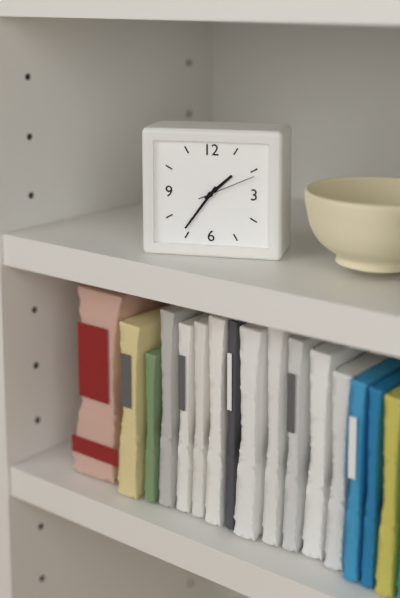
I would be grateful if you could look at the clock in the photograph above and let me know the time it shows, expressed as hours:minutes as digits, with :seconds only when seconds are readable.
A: 1:36:11
